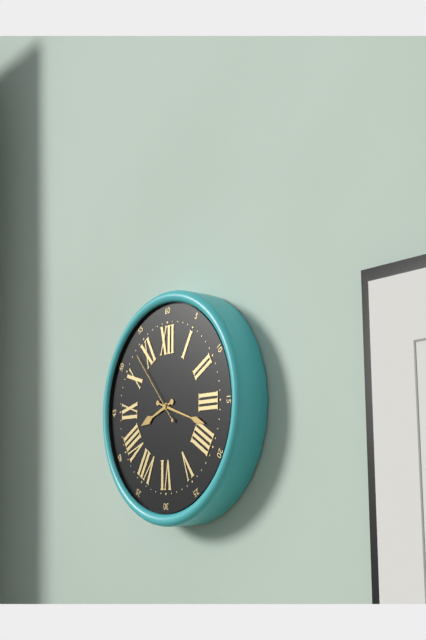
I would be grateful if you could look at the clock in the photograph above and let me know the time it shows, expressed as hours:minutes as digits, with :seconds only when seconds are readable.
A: 8:18:53
